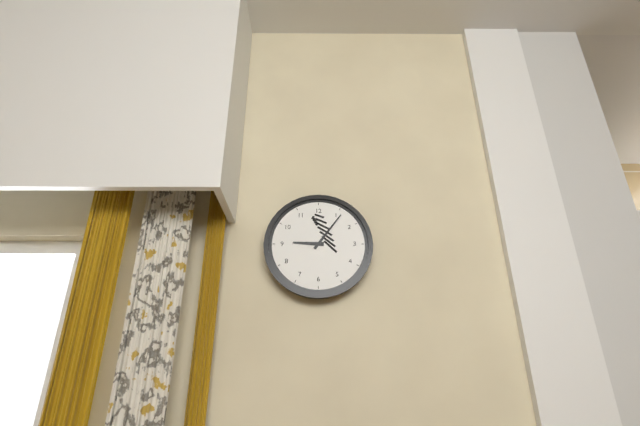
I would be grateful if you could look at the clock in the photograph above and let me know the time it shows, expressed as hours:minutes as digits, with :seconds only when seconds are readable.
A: 9:06
